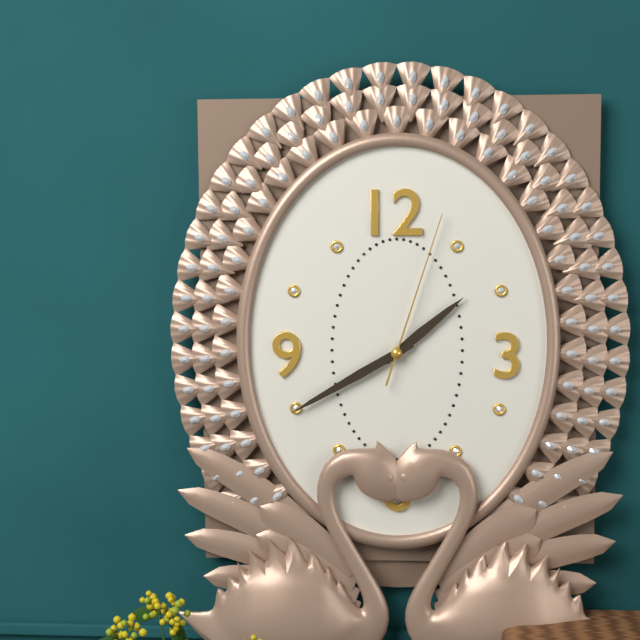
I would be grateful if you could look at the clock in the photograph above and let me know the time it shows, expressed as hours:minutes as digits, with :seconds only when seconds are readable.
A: 1:40:03
